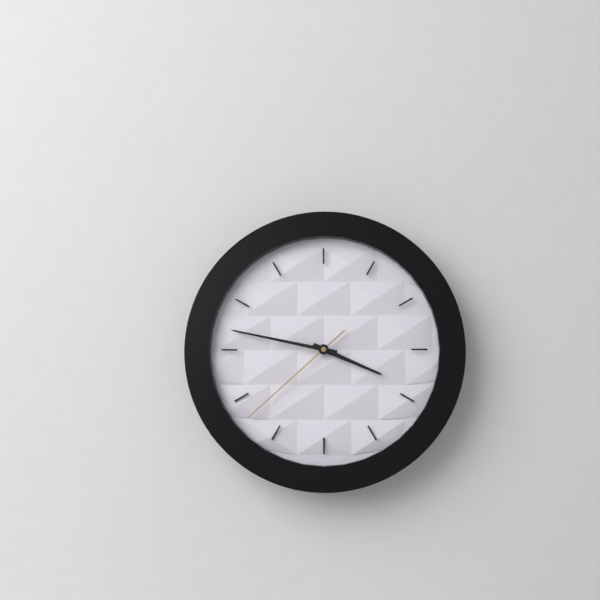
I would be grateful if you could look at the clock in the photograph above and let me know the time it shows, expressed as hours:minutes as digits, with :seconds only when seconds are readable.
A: 3:47:38
